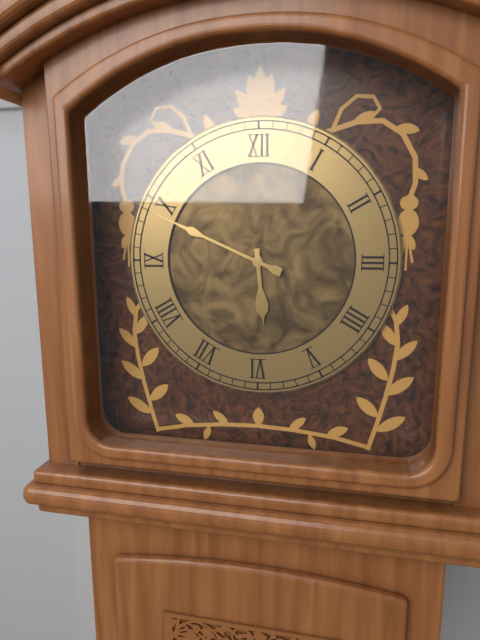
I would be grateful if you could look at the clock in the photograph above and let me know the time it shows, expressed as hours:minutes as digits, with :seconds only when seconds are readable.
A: 5:49
